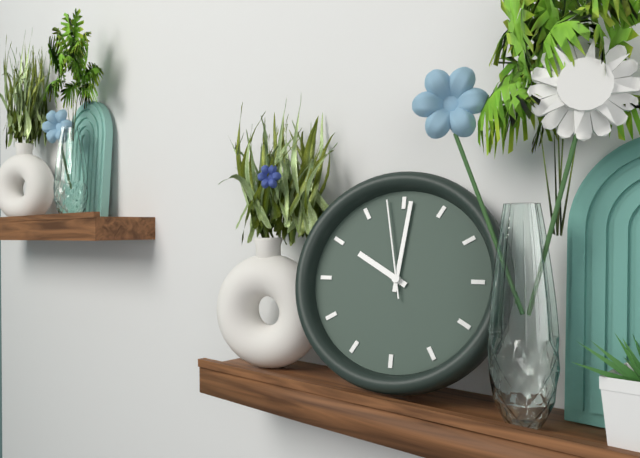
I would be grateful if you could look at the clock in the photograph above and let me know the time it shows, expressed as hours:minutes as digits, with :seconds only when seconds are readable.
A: 10:01:58
